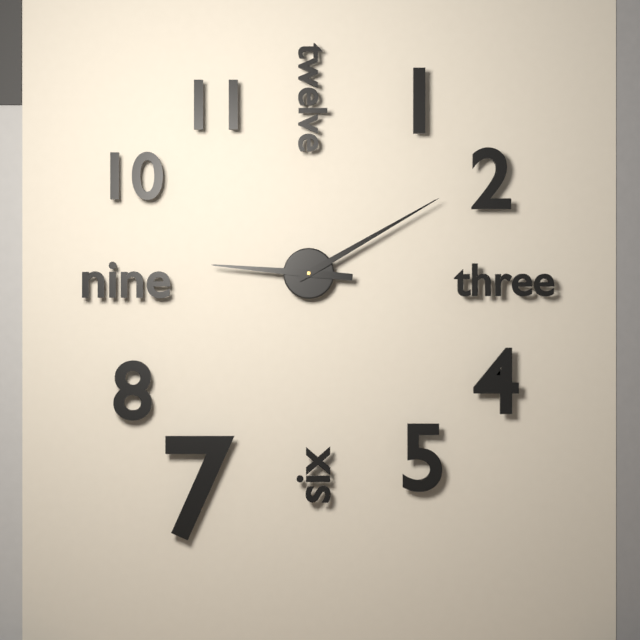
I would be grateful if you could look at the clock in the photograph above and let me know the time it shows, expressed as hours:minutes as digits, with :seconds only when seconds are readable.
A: 9:10
